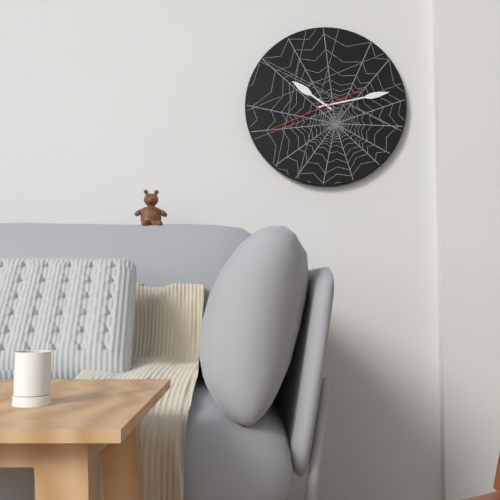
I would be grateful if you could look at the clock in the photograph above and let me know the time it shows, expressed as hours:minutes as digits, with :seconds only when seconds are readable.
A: 10:13:41
